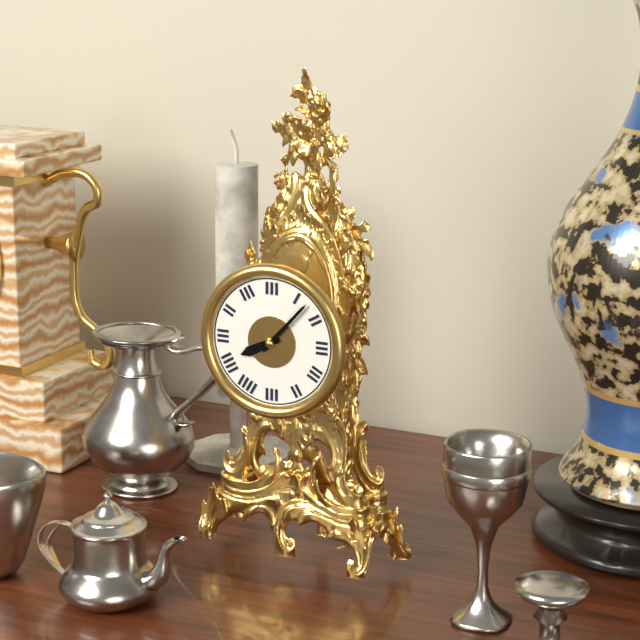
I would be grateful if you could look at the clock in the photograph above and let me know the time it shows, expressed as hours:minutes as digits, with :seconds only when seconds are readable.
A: 8:07
